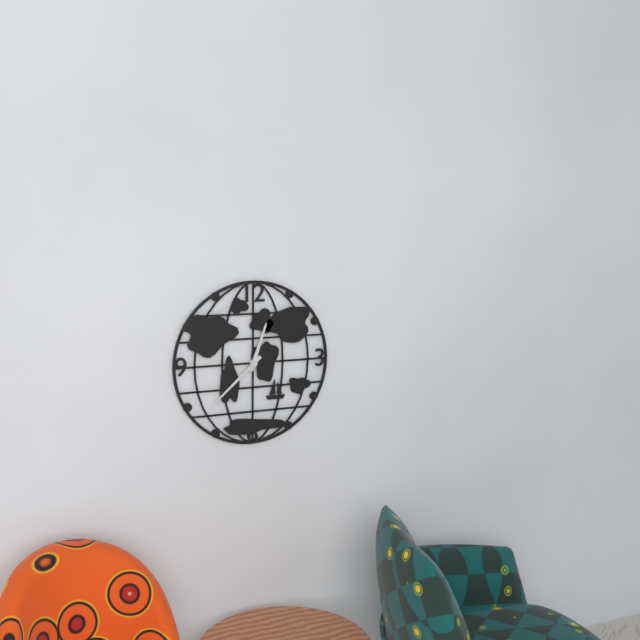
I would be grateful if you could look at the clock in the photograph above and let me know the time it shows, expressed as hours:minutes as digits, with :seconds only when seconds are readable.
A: 12:38
